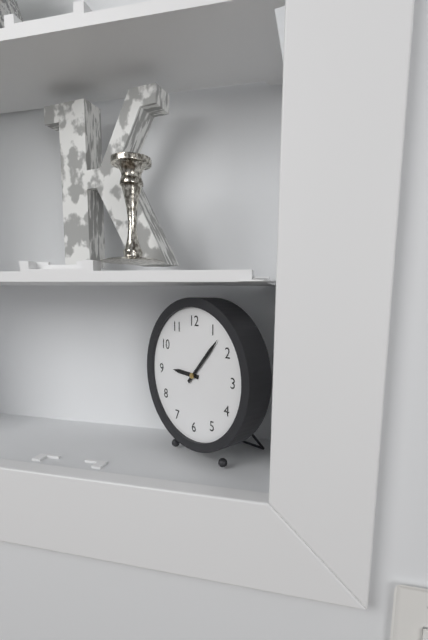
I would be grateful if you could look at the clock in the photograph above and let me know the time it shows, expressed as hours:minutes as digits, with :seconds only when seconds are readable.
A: 9:07
